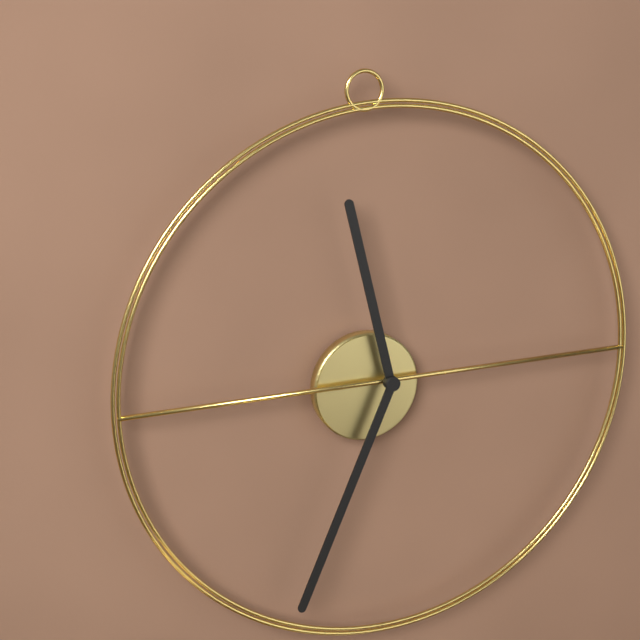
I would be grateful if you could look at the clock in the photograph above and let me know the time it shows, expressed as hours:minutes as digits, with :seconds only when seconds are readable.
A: 11:34
